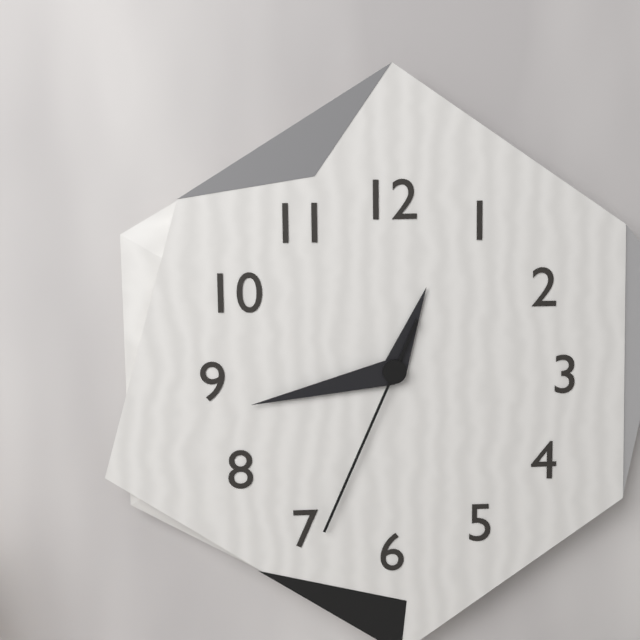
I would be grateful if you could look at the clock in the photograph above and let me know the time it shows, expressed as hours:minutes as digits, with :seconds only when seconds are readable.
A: 12:43:34
